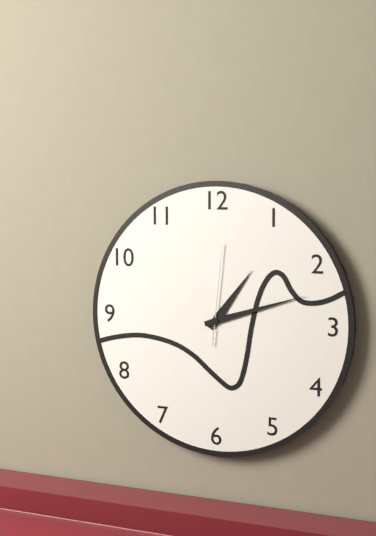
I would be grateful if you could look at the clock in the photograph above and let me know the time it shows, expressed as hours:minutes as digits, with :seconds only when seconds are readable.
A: 1:12:01
